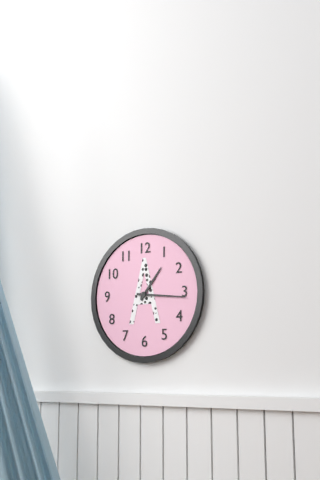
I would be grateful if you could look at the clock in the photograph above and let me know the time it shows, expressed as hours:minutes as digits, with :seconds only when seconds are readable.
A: 1:16
